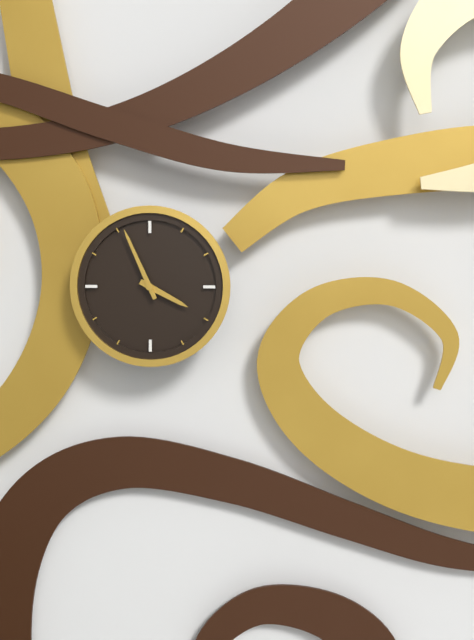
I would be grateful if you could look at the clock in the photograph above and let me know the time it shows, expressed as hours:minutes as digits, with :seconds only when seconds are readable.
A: 3:56
